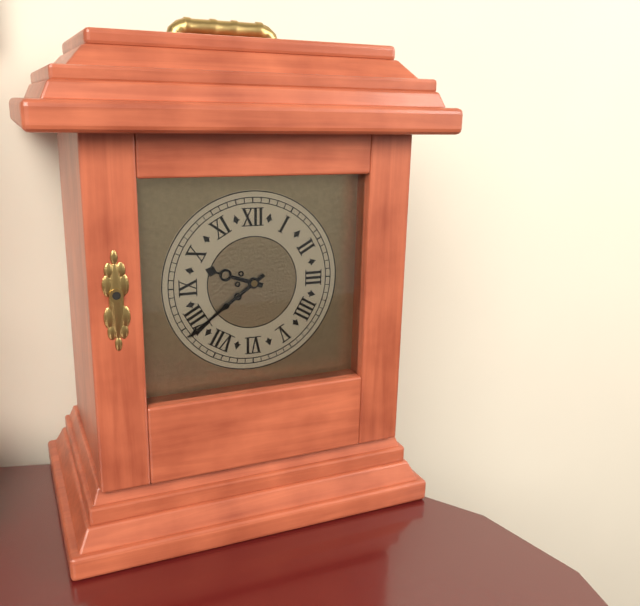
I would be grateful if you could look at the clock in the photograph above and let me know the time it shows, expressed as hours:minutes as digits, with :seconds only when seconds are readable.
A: 9:39
